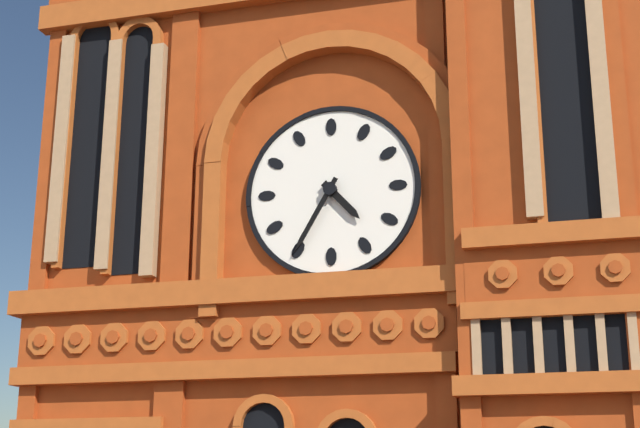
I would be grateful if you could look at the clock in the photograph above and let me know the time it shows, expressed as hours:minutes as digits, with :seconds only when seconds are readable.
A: 4:35
